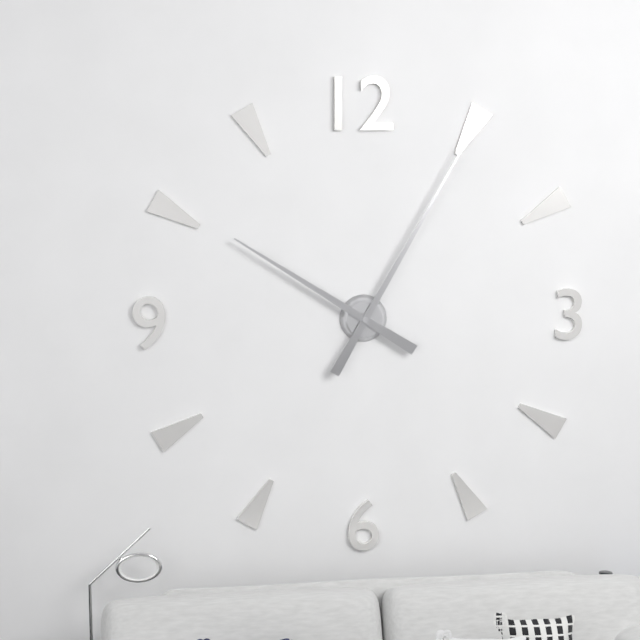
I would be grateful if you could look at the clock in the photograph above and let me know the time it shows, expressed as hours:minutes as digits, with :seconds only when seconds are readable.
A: 10:05
